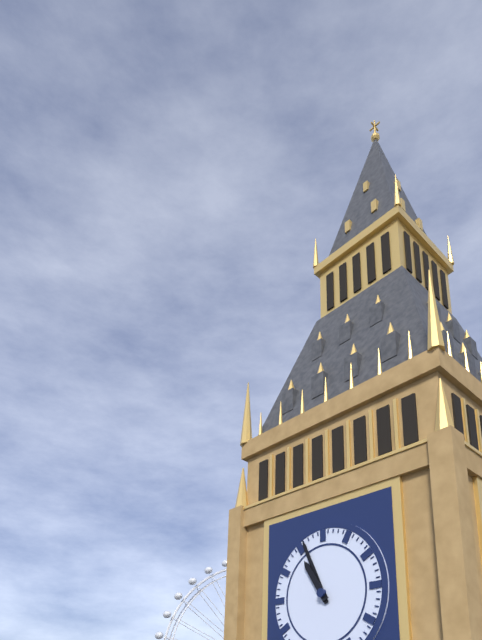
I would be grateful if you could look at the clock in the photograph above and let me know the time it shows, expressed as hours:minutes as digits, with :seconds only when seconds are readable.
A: 10:56
